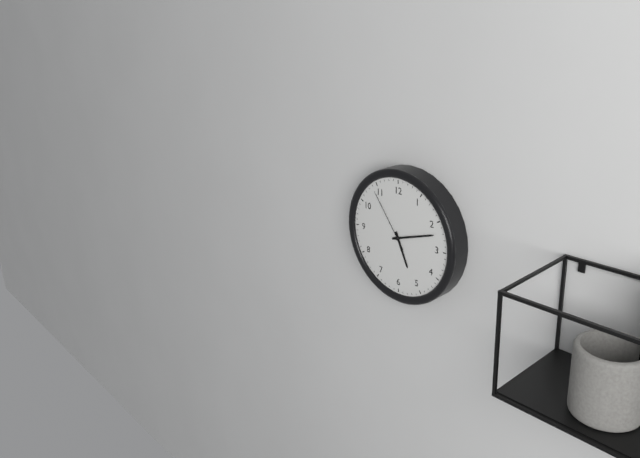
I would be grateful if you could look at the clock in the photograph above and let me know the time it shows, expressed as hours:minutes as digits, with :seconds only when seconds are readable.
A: 5:12:54
